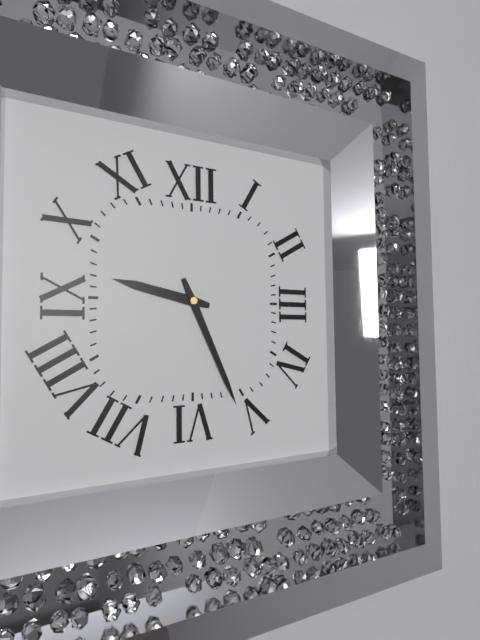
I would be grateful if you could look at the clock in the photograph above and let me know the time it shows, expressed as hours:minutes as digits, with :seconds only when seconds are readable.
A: 9:26
